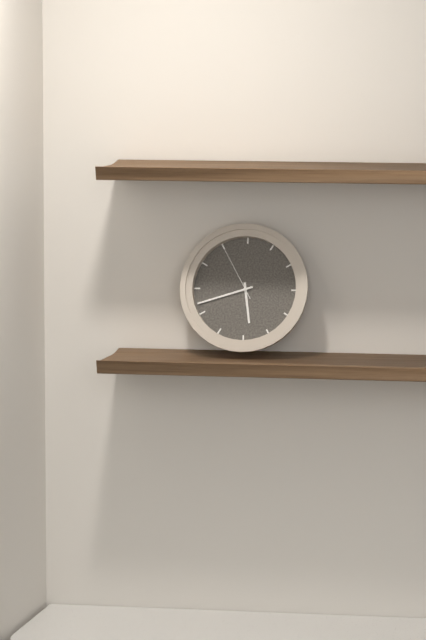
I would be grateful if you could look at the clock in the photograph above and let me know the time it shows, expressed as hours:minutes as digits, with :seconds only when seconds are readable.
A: 5:42:55
